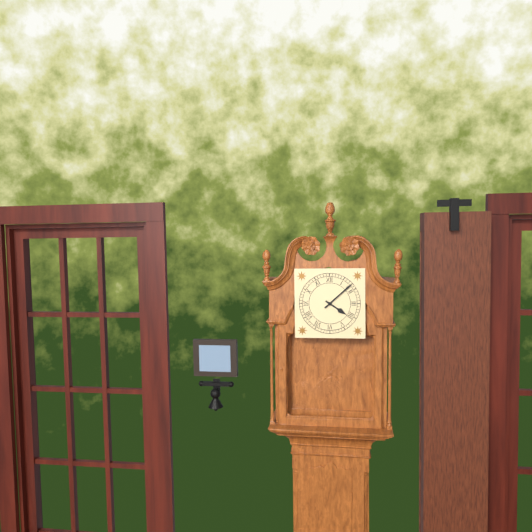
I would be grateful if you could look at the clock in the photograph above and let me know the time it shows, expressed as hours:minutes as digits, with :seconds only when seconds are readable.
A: 4:08
